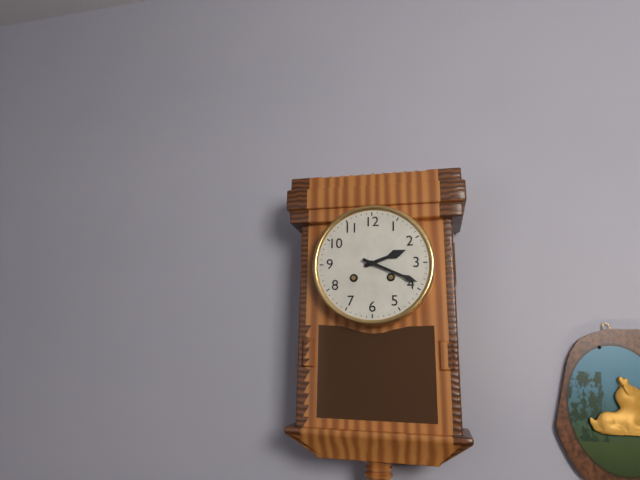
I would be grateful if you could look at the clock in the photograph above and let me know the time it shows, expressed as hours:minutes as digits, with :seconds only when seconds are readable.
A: 2:19
